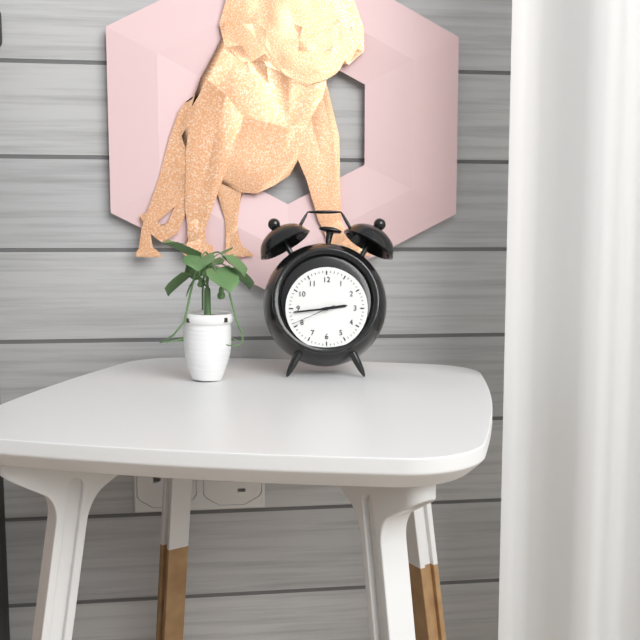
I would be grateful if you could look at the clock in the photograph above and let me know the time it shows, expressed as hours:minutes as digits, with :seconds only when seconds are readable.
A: 2:44
